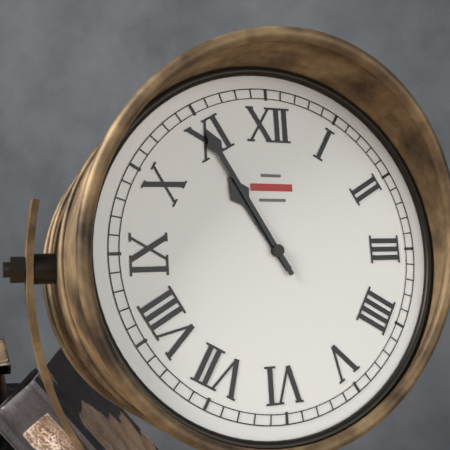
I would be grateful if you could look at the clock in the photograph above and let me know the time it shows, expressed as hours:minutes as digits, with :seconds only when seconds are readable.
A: 10:55
